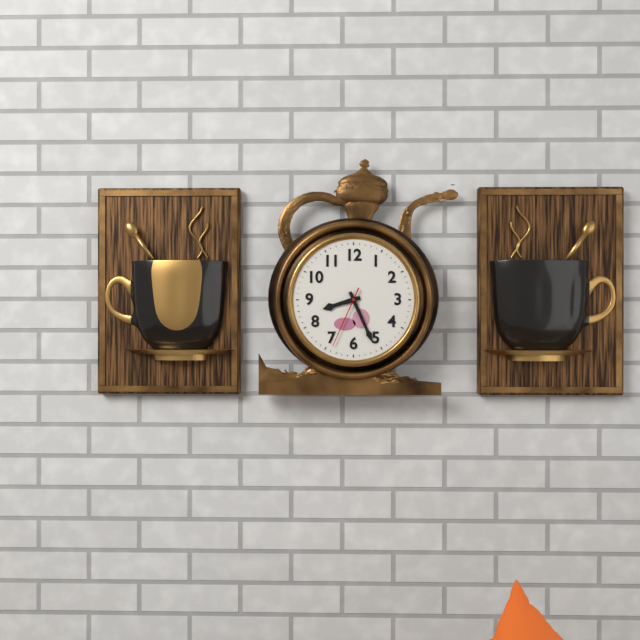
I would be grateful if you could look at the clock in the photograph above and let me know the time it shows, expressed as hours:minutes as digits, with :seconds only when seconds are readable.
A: 8:26:34
